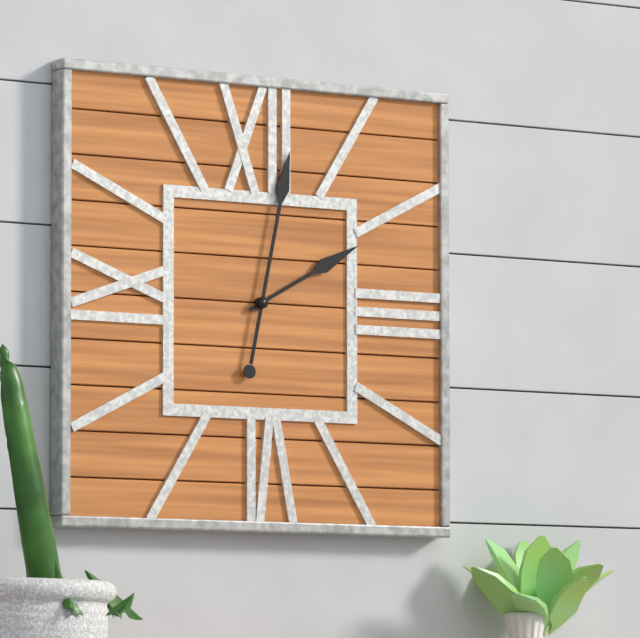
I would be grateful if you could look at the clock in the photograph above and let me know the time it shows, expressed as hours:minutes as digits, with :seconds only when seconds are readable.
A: 2:02
